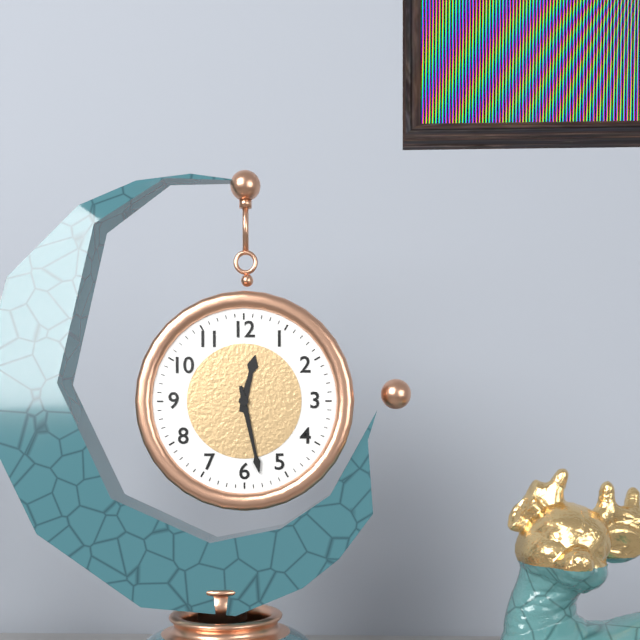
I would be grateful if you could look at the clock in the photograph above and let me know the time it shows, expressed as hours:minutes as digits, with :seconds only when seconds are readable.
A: 12:28
